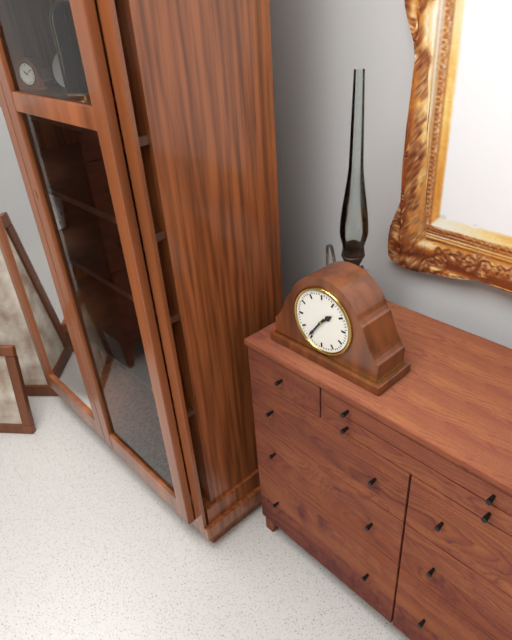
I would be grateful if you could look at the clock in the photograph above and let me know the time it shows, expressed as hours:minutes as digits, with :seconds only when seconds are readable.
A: 1:36
